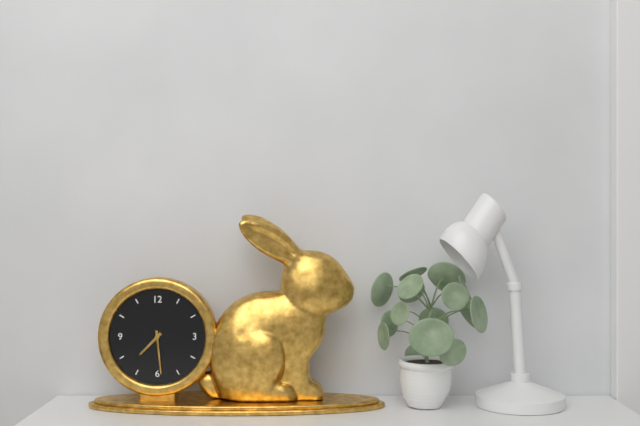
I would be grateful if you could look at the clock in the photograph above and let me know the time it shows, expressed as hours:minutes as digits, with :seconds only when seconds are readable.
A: 7:29
